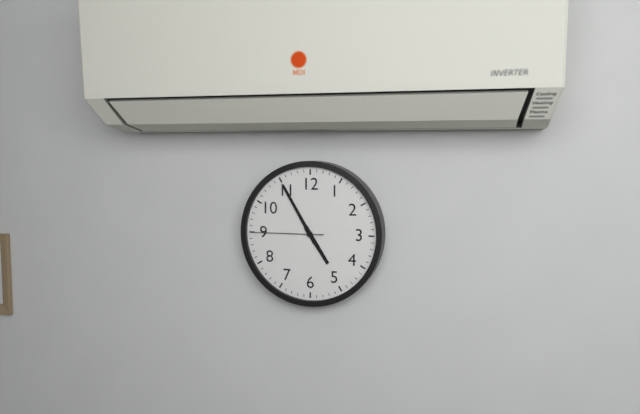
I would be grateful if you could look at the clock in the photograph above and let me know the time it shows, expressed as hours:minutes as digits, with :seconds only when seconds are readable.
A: 4:55:45
